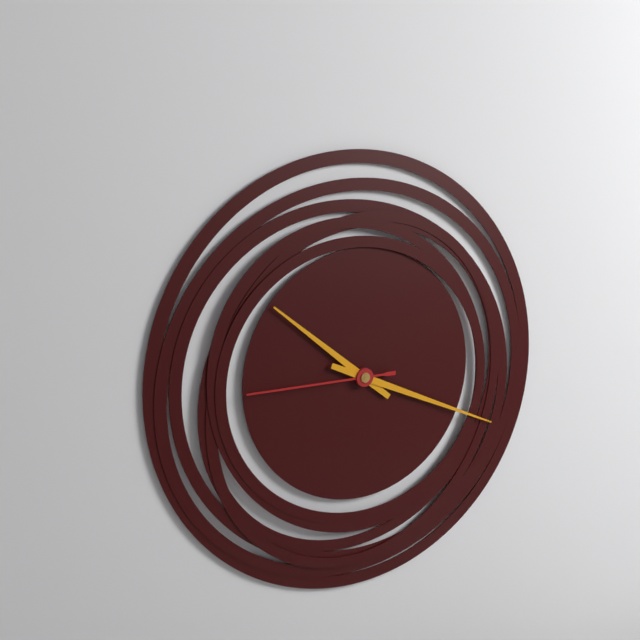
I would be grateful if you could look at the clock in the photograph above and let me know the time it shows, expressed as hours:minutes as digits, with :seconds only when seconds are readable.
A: 10:19:45
